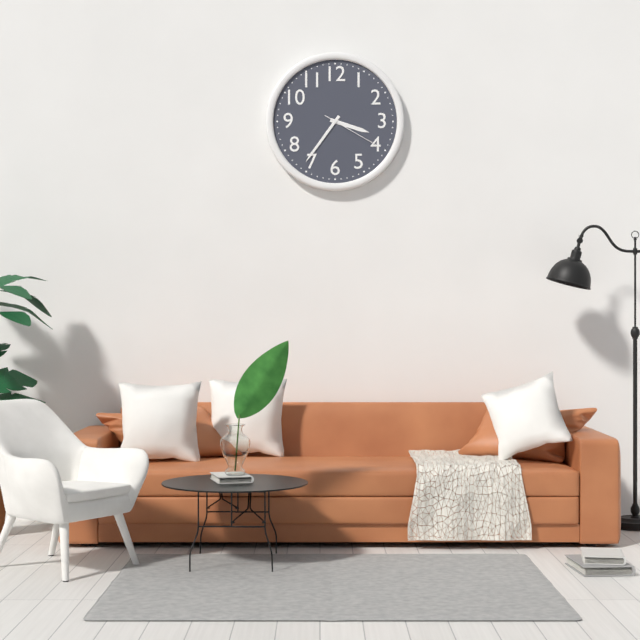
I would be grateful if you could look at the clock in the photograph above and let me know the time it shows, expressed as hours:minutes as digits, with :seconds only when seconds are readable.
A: 3:36:20
